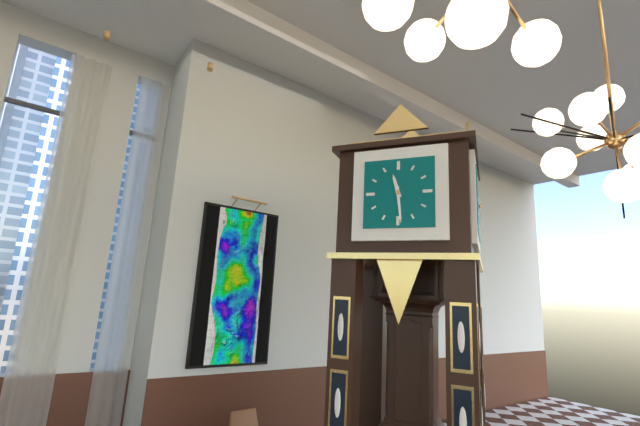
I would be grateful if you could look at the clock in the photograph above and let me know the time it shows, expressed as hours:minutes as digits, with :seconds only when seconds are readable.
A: 11:29
